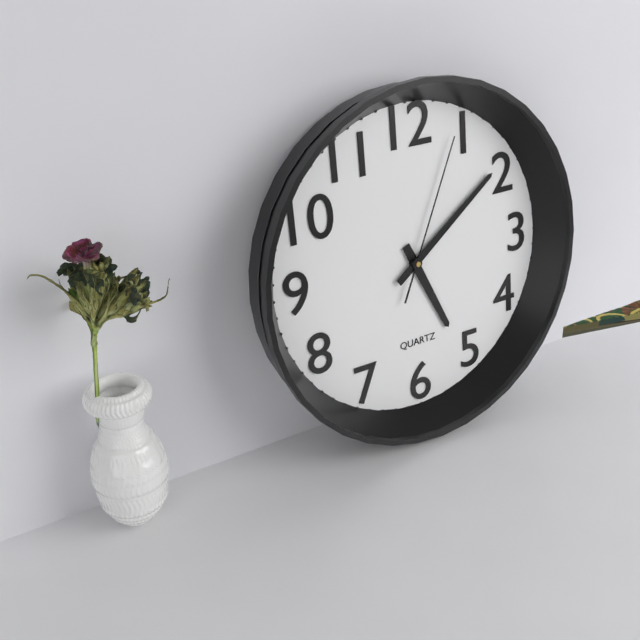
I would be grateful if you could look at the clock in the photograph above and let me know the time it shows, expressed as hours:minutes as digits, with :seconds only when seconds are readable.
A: 5:09:04
